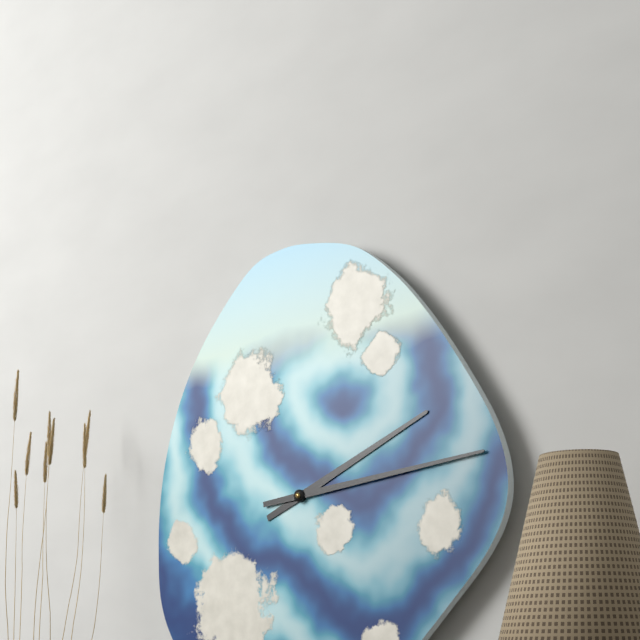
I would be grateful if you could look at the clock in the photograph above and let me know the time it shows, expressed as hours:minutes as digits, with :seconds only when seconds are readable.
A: 2:14
